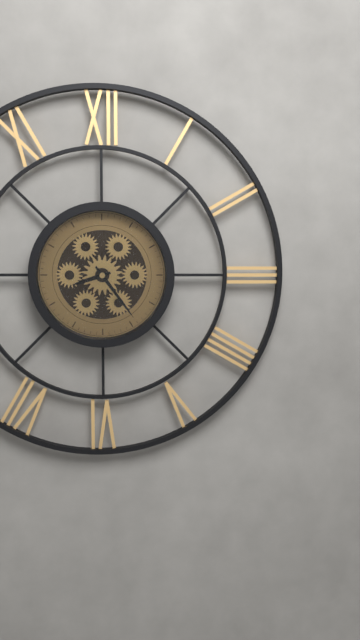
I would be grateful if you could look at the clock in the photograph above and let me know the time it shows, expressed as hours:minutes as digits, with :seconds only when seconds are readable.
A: 8:24
